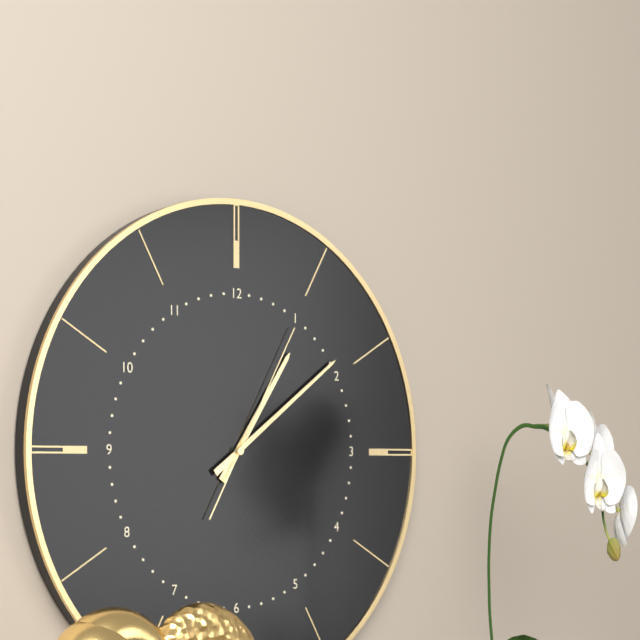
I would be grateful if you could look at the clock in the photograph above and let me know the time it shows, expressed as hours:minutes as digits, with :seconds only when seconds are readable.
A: 1:09:05
